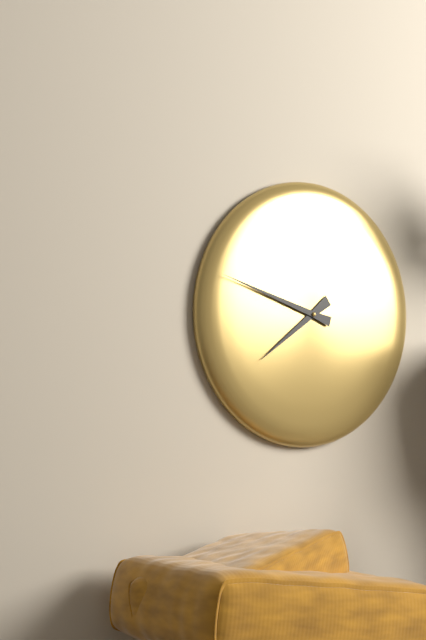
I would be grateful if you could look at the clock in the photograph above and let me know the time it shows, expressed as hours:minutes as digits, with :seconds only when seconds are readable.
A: 7:48
